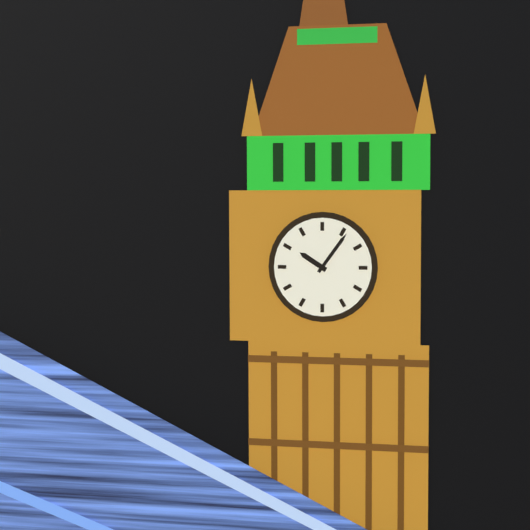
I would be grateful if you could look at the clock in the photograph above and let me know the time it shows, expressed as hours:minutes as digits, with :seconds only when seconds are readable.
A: 10:06
